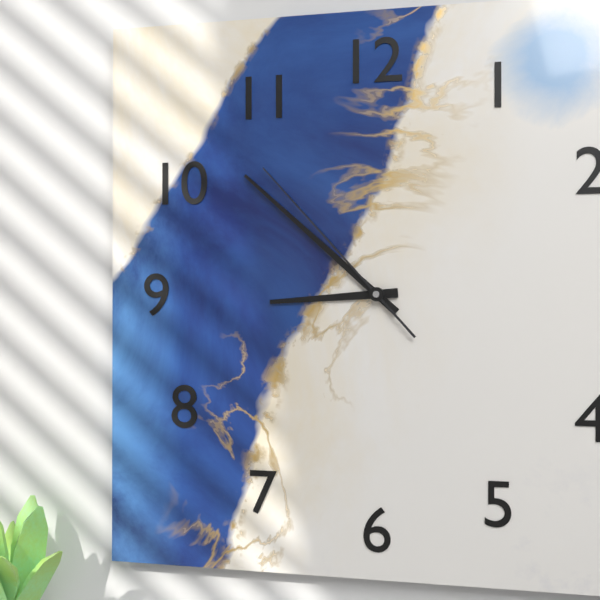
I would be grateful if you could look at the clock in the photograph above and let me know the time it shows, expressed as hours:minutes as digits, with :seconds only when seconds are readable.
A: 8:52:53
